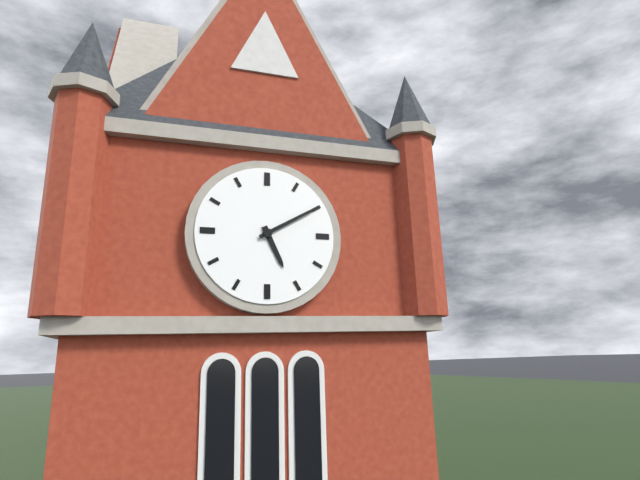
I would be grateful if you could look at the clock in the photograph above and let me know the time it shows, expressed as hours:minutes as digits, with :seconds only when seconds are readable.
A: 5:10
